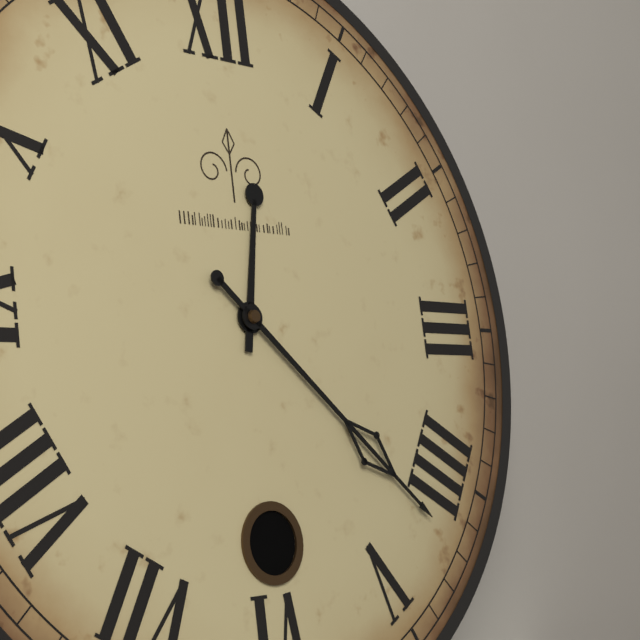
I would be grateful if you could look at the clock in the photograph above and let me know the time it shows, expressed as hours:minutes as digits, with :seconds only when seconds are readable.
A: 12:22
